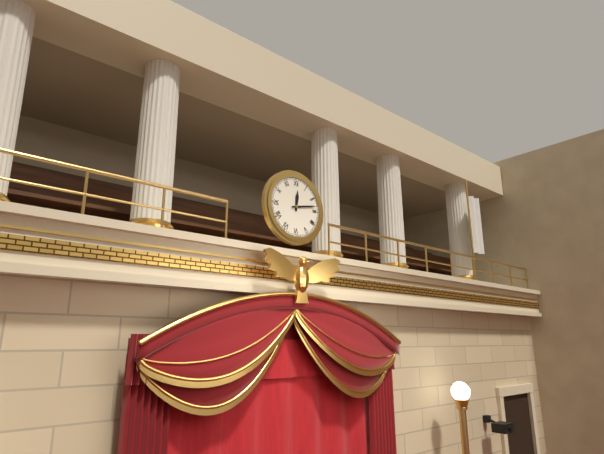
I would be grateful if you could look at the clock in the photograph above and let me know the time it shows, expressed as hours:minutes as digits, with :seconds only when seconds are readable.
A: 12:13
